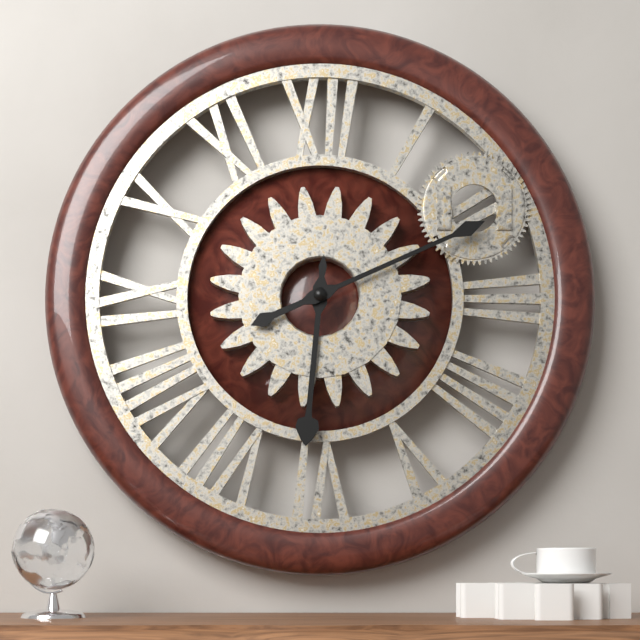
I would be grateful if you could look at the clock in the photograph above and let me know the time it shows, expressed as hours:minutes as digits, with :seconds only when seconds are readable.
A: 6:11
